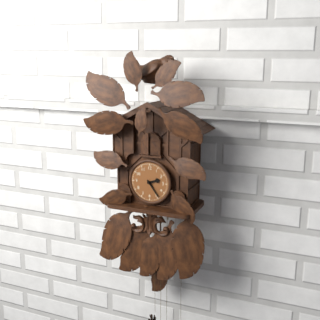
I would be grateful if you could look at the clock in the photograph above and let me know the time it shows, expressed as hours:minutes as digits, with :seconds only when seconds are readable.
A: 2:24
